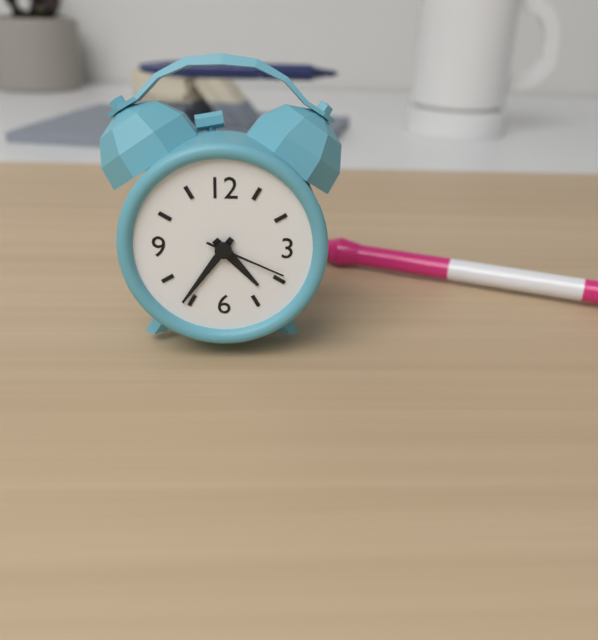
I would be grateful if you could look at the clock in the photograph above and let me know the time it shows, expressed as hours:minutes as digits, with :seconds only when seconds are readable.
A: 4:36:19
